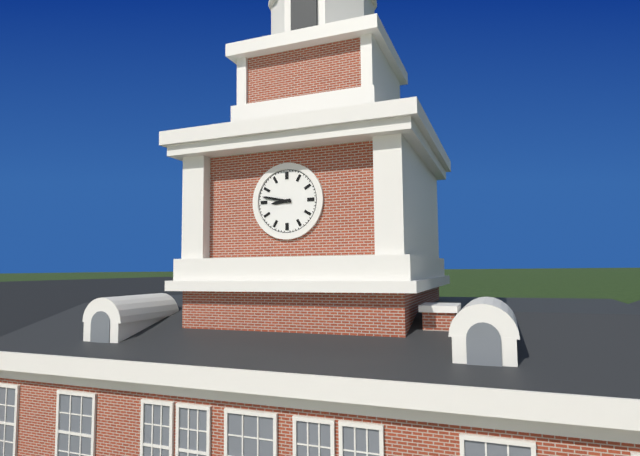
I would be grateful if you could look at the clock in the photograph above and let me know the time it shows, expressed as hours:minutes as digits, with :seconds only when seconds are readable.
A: 8:47
